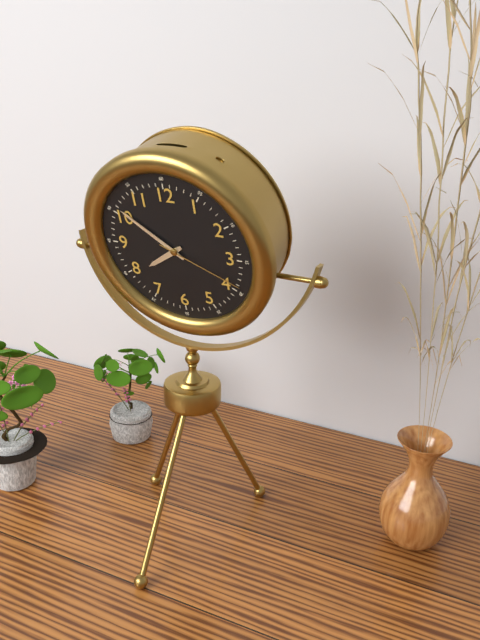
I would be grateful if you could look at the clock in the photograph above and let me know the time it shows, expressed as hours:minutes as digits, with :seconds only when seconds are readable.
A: 7:51:19
